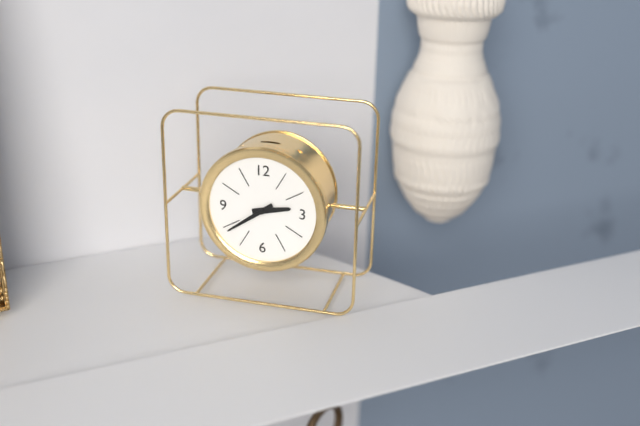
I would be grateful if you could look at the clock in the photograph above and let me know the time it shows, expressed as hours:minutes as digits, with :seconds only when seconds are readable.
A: 2:39
